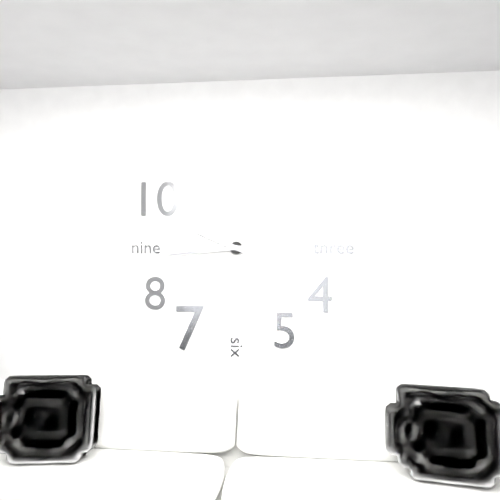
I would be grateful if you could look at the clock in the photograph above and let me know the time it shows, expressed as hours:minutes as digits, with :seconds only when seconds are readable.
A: 9:44
